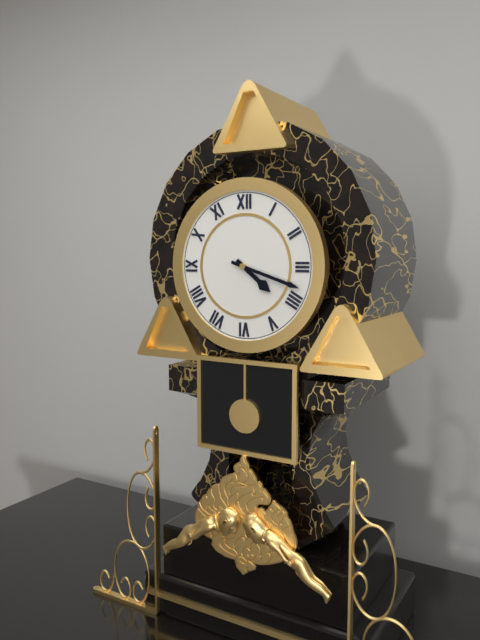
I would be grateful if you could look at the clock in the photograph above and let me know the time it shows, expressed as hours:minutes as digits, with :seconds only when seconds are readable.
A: 4:18
